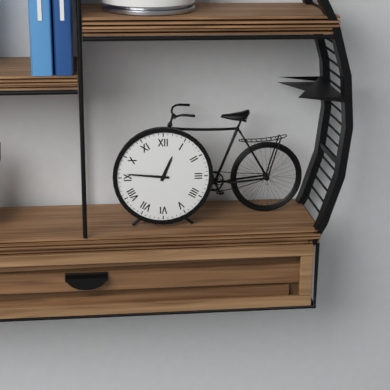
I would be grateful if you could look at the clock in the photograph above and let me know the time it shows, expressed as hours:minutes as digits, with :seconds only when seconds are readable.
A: 12:46
